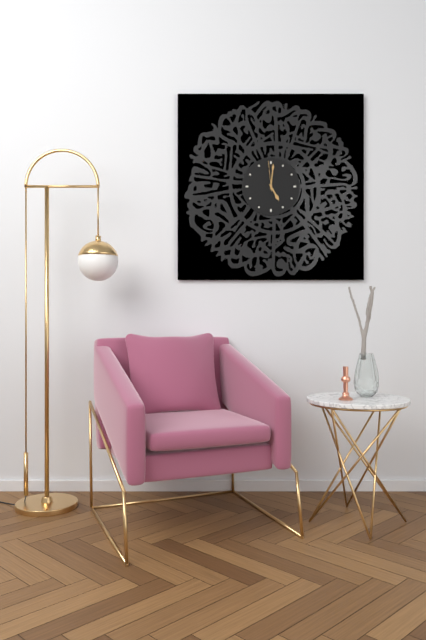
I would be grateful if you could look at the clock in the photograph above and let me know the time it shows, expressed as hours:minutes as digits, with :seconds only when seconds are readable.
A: 5:01
